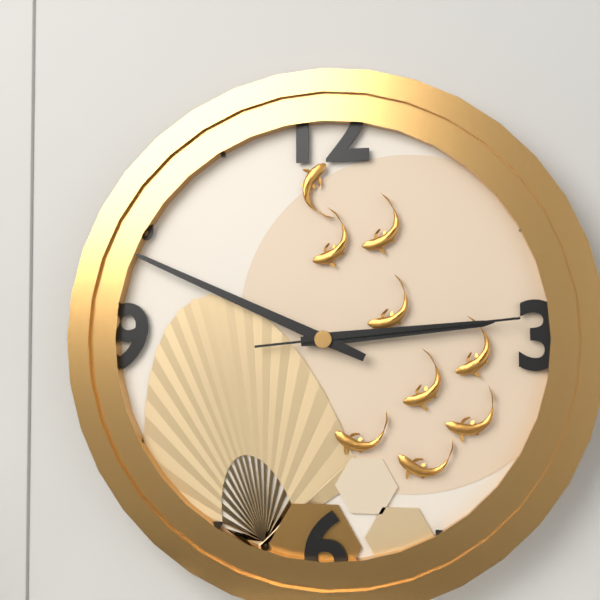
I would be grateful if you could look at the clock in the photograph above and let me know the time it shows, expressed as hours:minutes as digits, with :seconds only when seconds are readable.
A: 2:49:14
